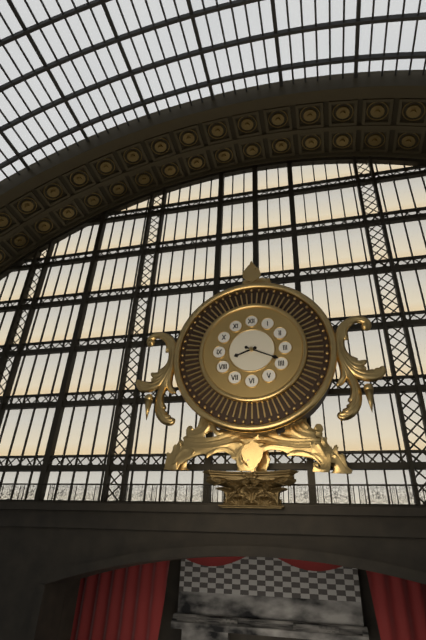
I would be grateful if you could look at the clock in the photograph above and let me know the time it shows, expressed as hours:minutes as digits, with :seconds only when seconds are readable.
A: 8:19
